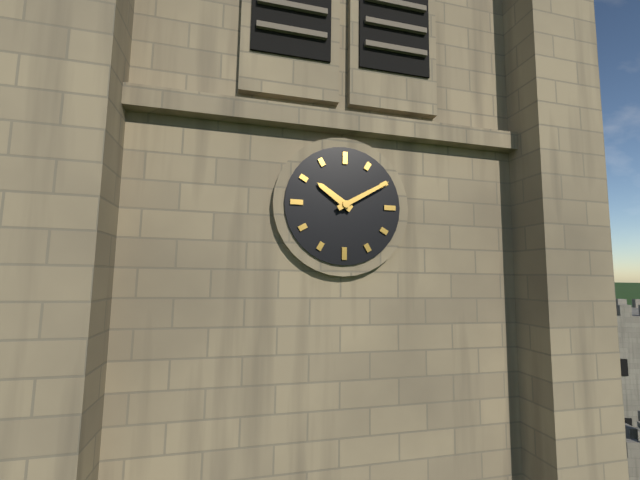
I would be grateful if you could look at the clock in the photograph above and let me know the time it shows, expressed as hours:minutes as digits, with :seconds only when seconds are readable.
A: 10:10
